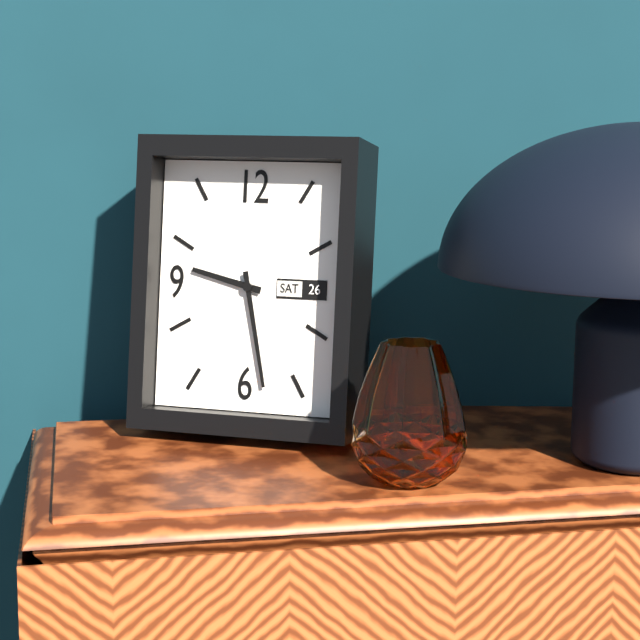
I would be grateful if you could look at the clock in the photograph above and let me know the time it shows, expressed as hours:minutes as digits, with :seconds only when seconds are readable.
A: 9:28
